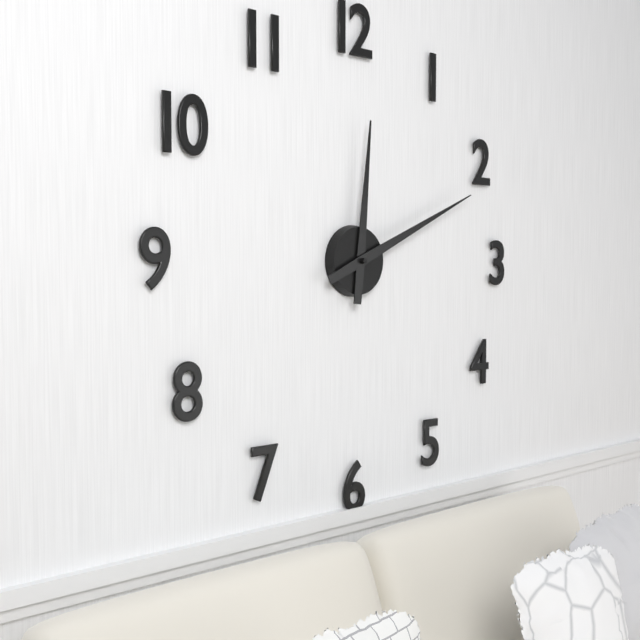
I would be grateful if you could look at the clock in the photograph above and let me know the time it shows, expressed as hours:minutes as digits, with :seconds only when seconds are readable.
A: 12:11
